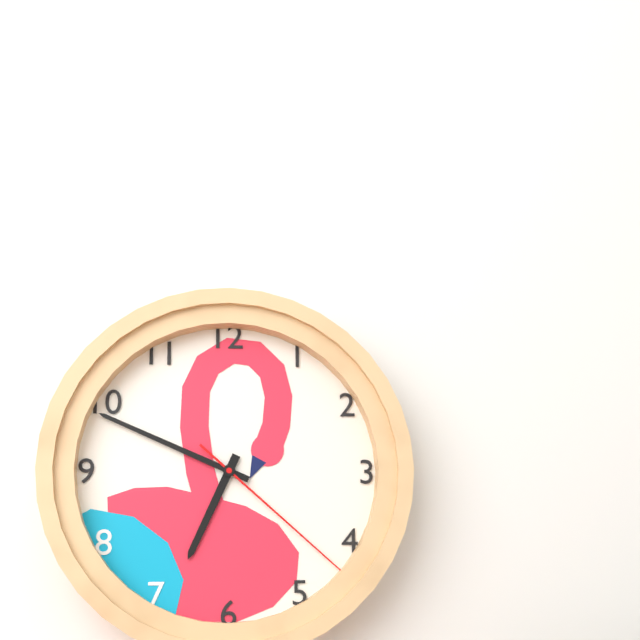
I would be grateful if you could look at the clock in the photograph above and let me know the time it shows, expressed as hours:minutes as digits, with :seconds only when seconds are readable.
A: 6:49:22
